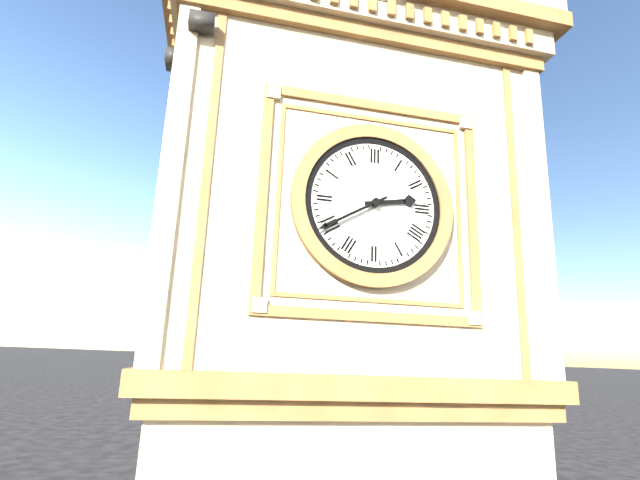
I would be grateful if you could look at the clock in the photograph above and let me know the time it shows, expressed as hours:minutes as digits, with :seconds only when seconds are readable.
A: 2:40
